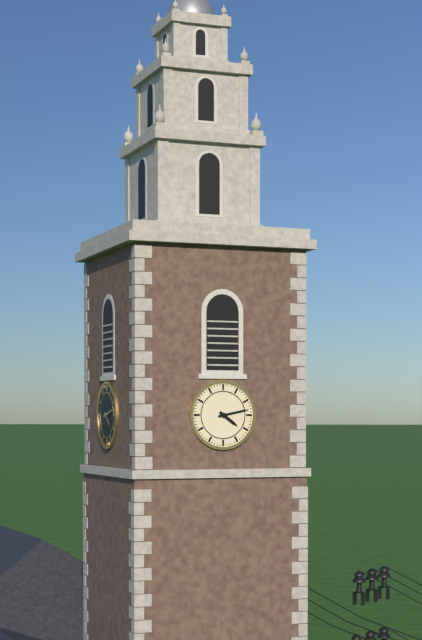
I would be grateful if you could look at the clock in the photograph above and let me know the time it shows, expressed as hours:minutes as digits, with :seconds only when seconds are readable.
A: 4:13
